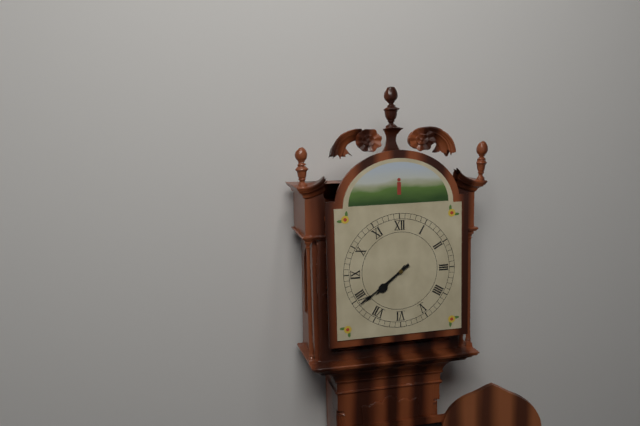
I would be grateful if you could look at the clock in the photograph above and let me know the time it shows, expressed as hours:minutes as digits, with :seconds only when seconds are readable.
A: 7:39
